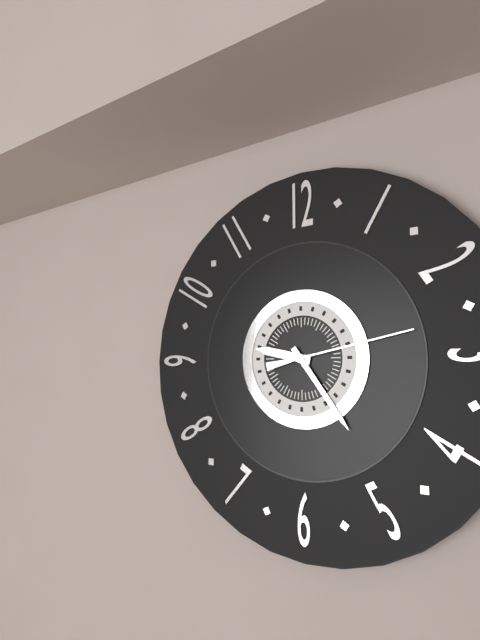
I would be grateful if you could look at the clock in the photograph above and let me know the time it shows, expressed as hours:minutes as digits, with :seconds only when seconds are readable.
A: 9:24:13
